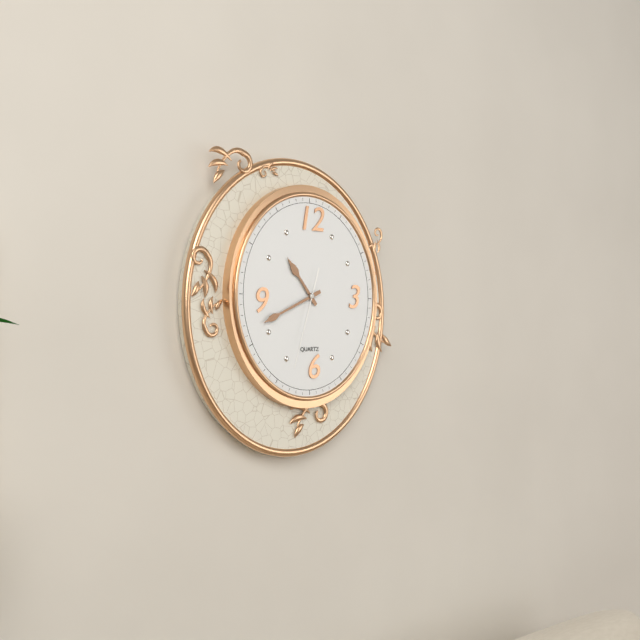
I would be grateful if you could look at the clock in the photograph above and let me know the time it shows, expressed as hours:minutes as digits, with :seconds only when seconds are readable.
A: 10:41:33
